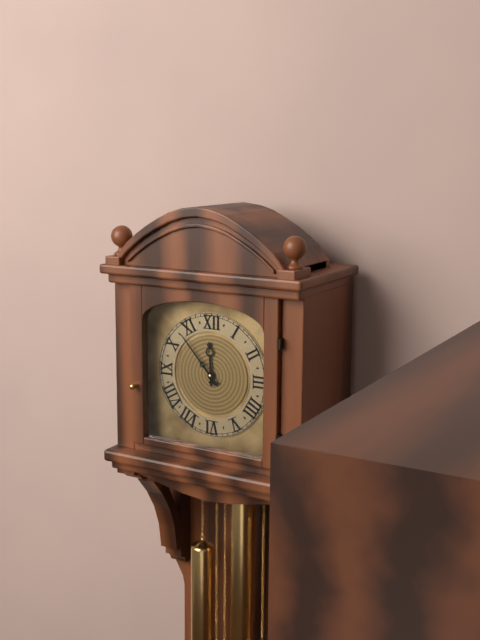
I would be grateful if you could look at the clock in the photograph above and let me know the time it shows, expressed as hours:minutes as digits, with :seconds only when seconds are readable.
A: 11:53
